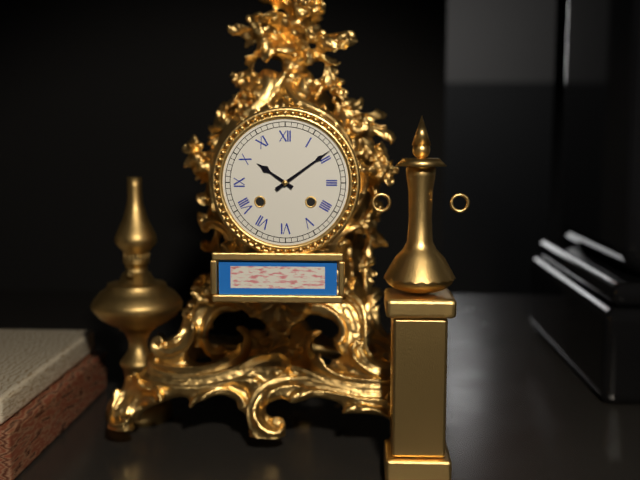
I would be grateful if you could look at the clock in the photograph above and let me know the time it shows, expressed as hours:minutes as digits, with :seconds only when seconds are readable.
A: 10:09
